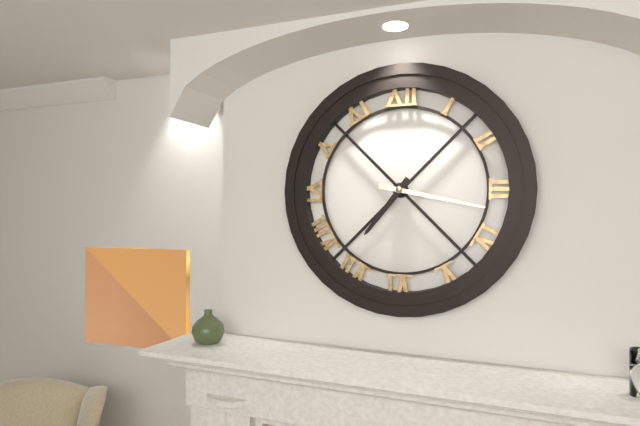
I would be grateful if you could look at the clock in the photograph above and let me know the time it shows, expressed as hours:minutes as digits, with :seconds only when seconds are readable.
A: 7:17
